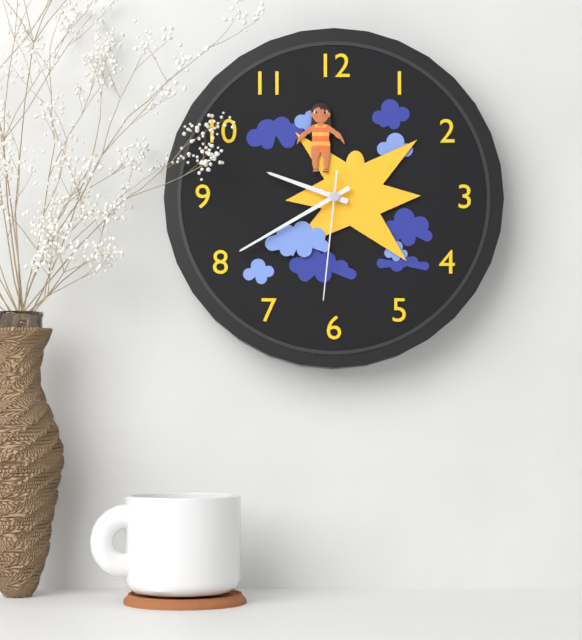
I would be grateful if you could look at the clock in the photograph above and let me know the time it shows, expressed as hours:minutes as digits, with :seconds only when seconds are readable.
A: 9:40:31
